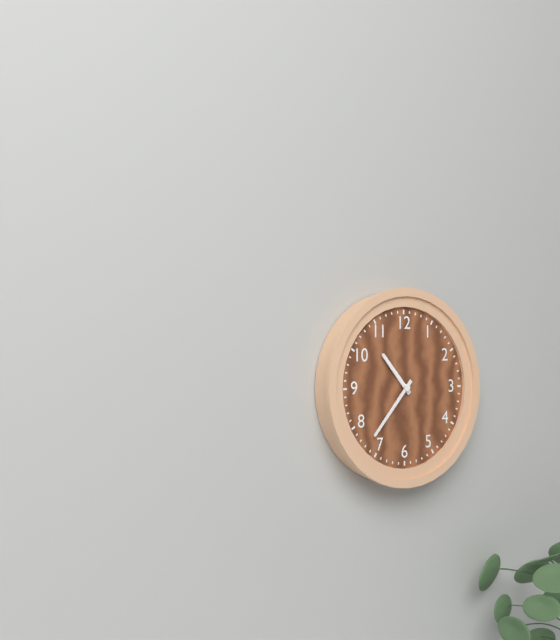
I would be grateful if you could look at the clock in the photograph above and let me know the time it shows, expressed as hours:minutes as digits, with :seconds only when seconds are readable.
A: 10:37
